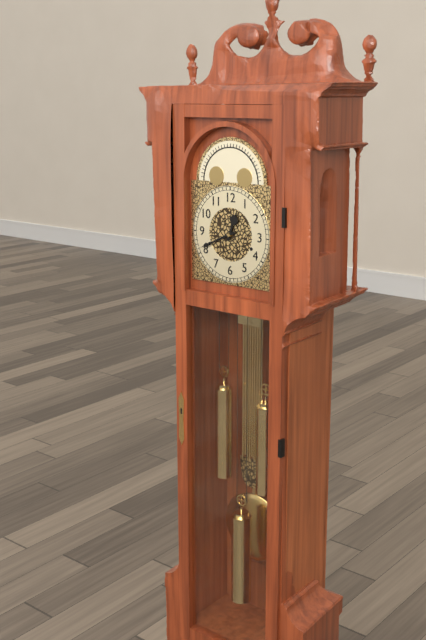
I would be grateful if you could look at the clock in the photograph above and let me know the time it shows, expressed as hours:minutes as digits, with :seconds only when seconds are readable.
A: 12:41
